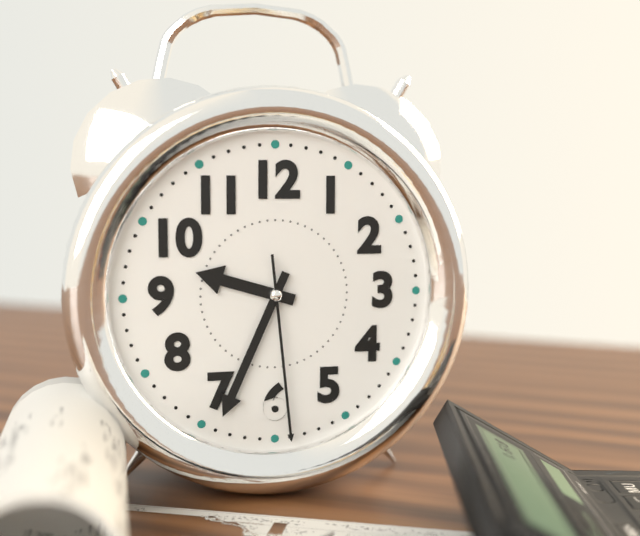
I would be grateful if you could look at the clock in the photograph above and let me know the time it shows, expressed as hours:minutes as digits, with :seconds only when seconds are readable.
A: 9:34:29
